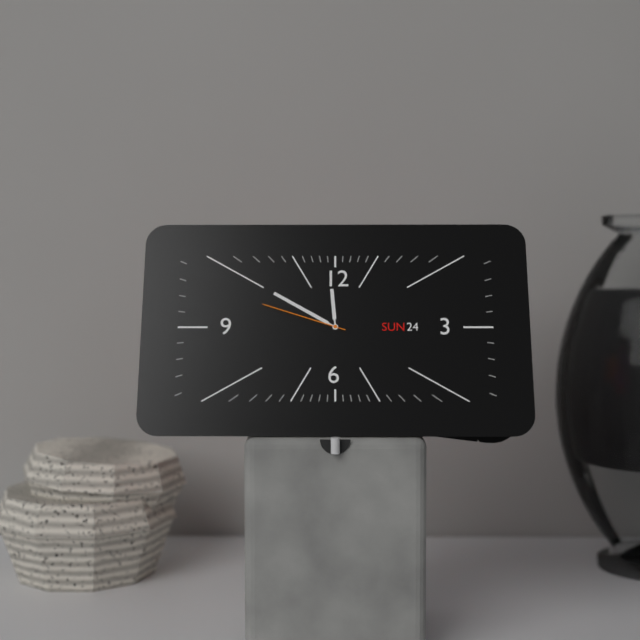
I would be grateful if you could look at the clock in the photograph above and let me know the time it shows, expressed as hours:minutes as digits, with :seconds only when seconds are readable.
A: 11:50:48
